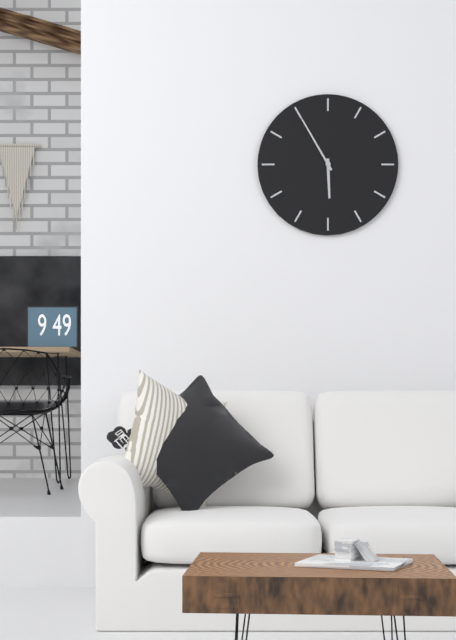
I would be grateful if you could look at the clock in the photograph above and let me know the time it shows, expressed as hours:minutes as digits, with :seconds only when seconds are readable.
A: 5:55
